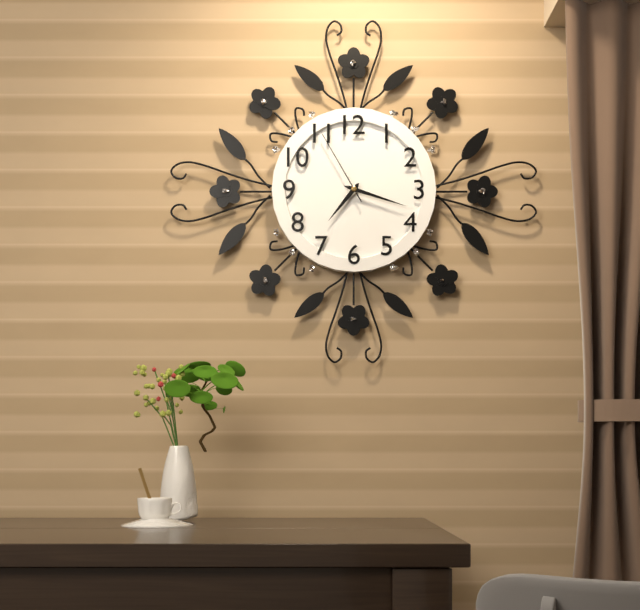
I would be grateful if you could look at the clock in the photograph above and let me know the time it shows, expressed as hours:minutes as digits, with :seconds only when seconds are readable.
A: 7:18:55
